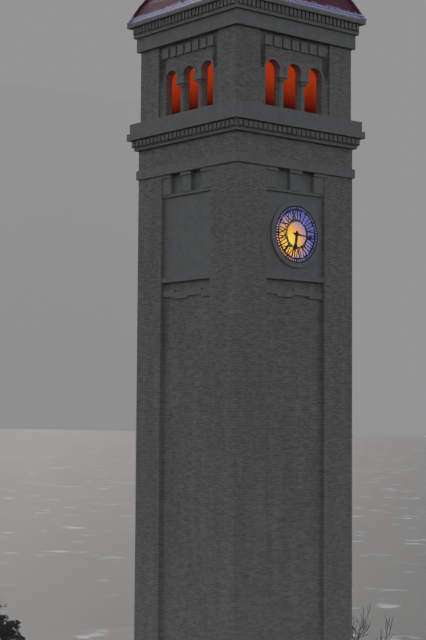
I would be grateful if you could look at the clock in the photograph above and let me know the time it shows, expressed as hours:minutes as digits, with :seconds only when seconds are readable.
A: 6:16
